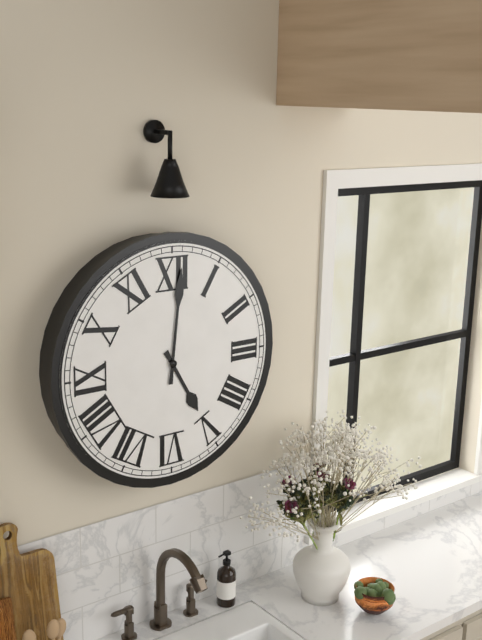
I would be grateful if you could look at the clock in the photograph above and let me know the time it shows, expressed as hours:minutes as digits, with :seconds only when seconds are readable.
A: 5:01
